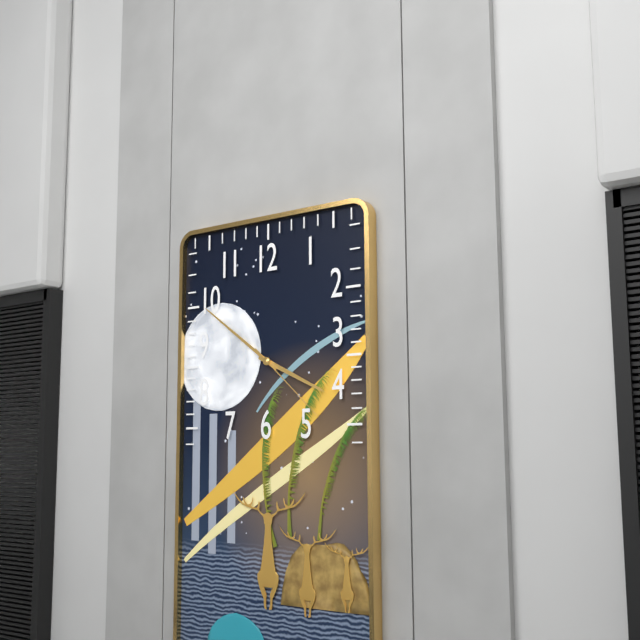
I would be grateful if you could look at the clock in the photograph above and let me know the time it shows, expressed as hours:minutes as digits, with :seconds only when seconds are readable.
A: 3:51:22
